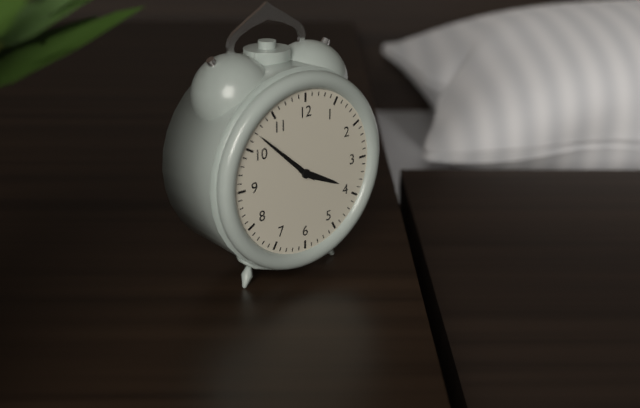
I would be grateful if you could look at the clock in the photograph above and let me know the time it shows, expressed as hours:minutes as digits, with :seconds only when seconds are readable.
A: 3:52
